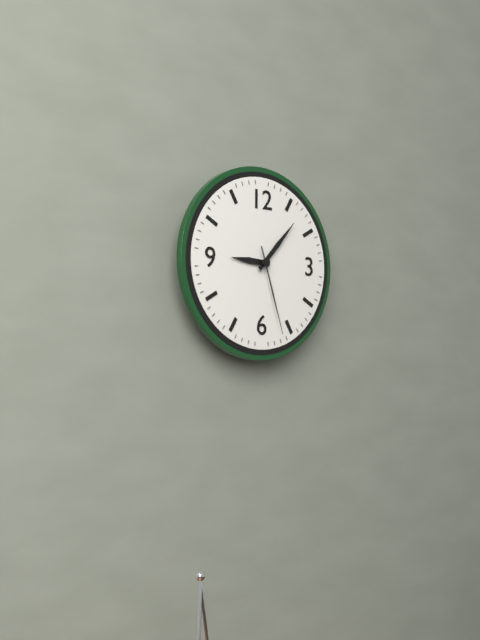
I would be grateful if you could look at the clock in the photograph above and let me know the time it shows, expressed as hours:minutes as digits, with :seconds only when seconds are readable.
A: 9:07:27
